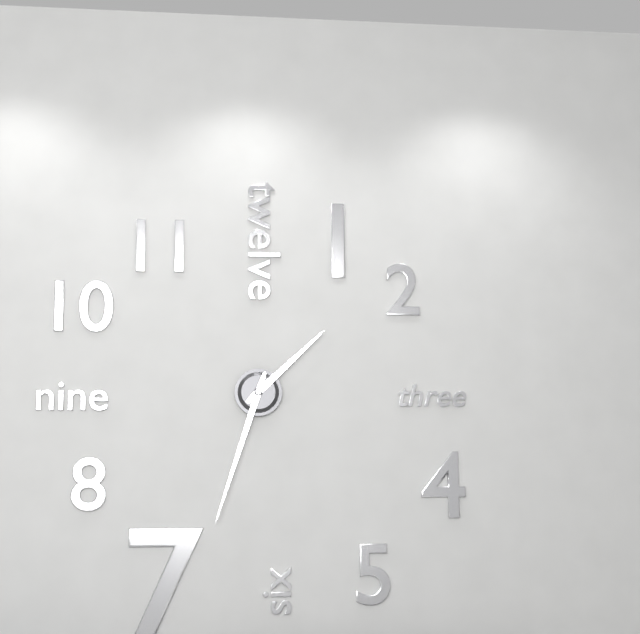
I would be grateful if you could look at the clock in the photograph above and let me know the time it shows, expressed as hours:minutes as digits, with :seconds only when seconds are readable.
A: 1:33
